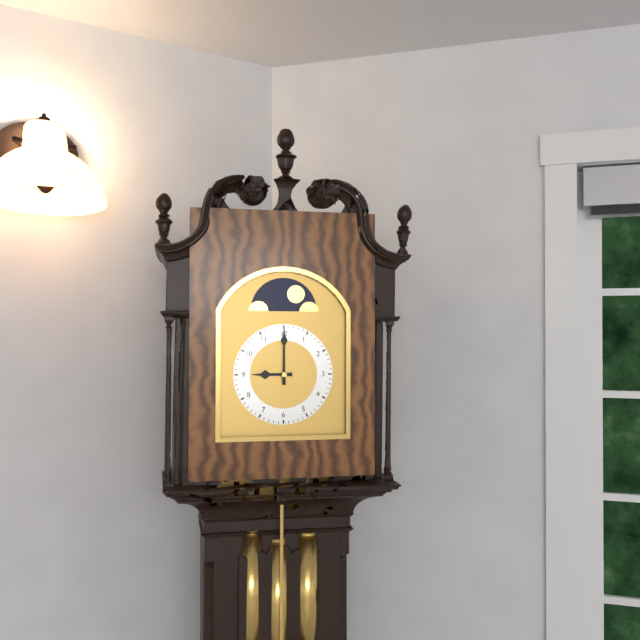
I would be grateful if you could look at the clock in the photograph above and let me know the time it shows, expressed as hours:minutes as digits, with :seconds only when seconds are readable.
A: 9:00
